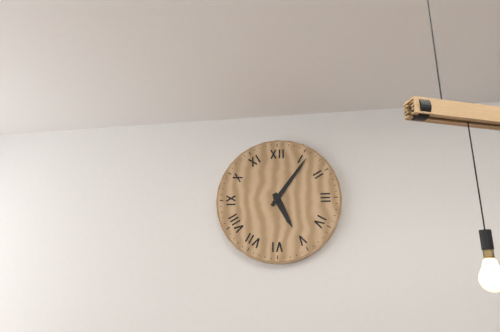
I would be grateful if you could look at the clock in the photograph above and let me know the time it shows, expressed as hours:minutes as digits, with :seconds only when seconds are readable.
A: 5:06
